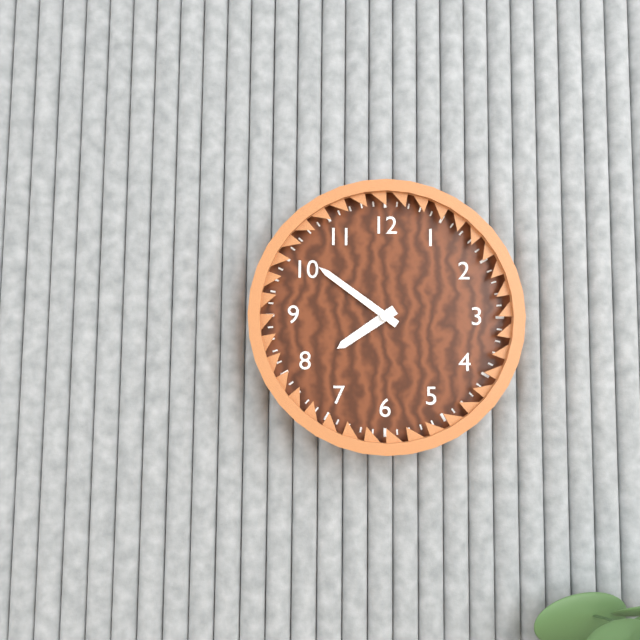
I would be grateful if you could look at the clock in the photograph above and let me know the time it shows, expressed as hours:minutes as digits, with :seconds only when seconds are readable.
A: 7:51
